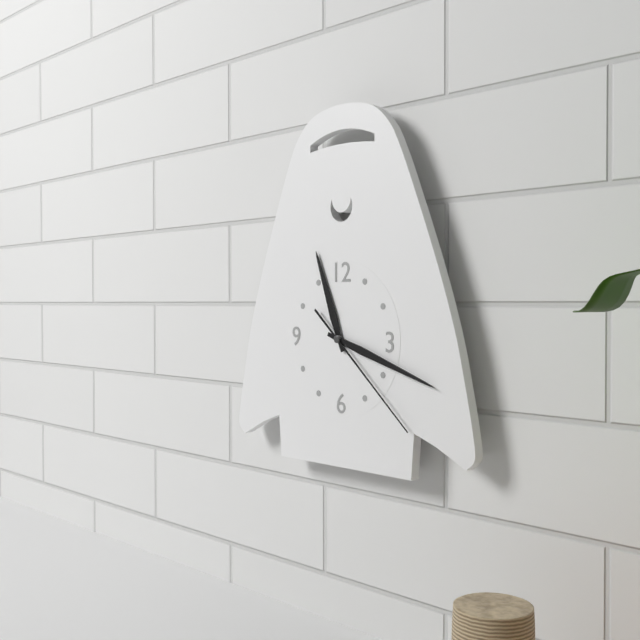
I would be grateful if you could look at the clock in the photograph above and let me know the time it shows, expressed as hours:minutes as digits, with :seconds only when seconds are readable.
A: 11:18:22
